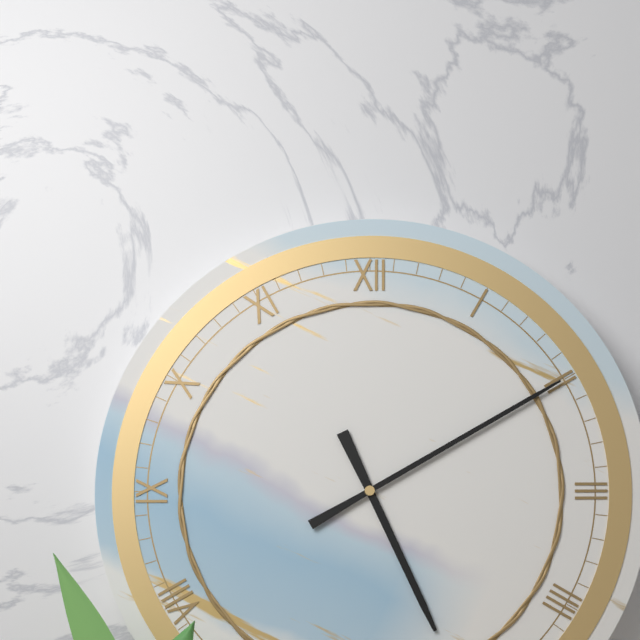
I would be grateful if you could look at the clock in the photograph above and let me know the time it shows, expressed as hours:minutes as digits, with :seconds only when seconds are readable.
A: 5:10
